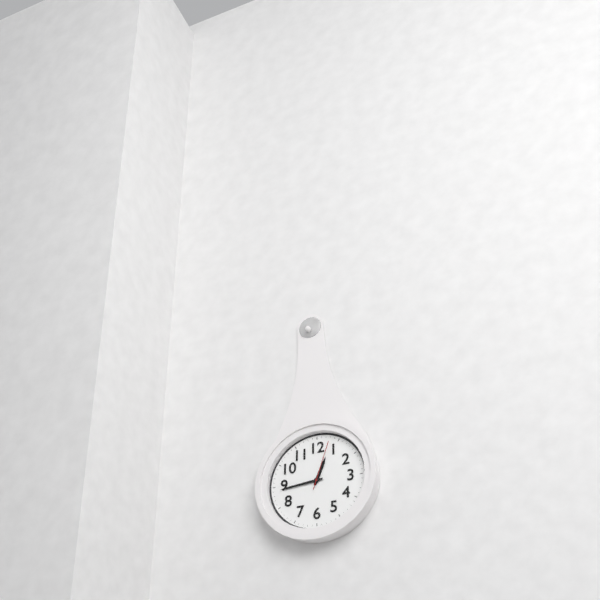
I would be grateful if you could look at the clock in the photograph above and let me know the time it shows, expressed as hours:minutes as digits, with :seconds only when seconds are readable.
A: 12:44:03
